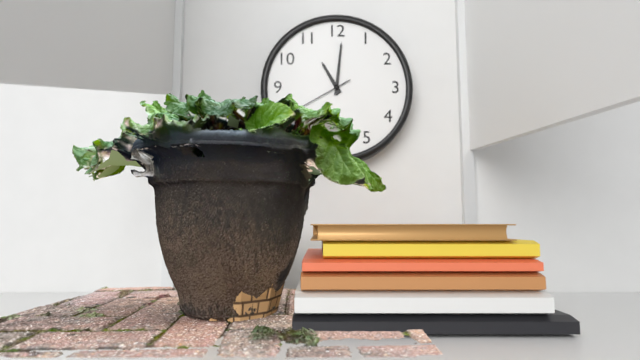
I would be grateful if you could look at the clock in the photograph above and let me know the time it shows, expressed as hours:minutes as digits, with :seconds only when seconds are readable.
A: 11:01
